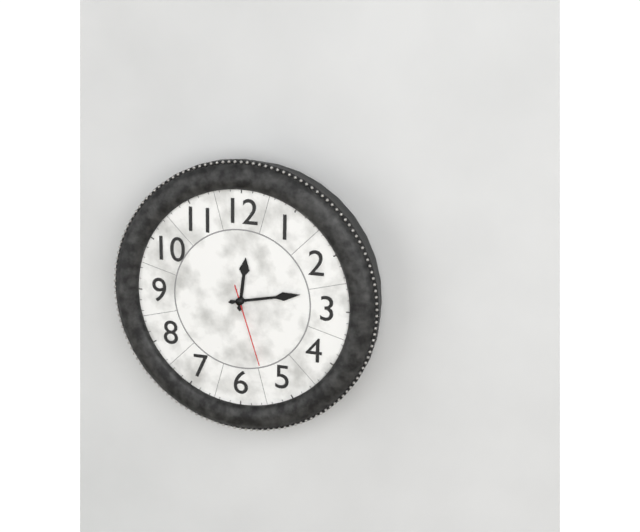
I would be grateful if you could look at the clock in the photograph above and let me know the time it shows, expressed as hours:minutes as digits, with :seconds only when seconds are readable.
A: 12:13:27
